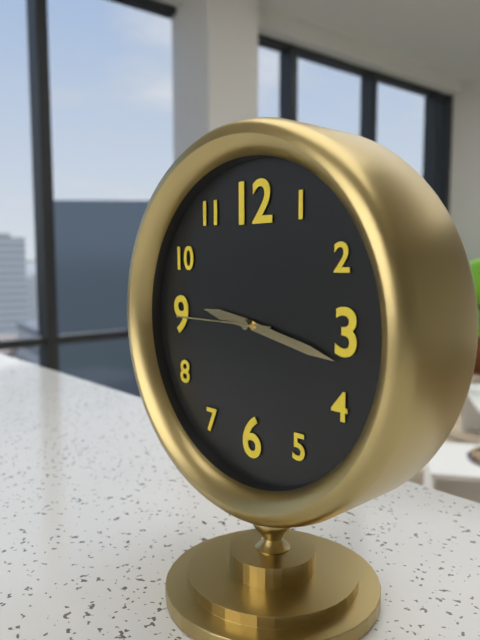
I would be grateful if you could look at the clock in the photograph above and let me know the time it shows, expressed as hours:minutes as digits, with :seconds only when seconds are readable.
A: 9:17:45
